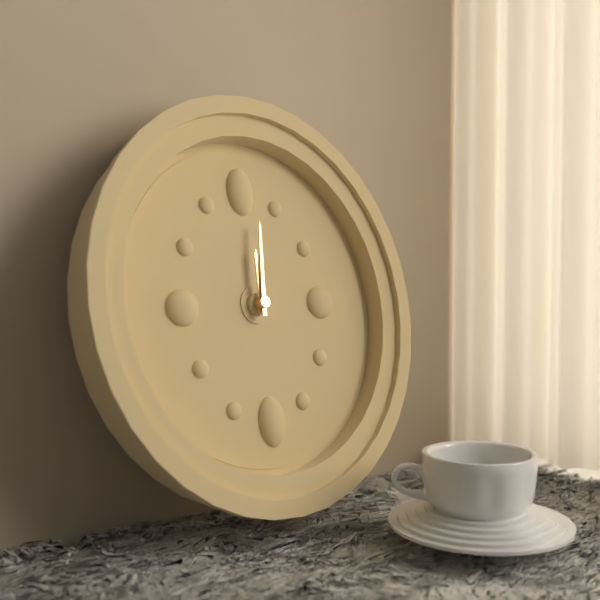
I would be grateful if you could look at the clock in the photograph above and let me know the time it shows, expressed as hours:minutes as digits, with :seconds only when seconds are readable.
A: 12:01
